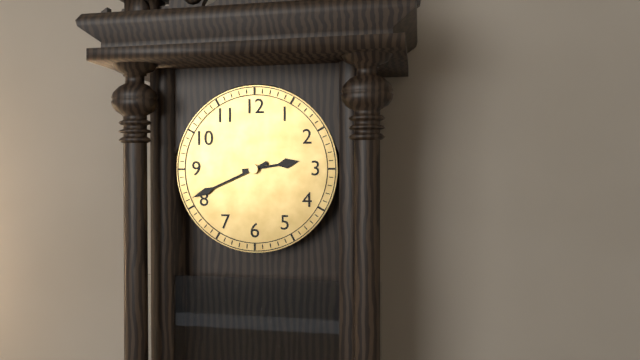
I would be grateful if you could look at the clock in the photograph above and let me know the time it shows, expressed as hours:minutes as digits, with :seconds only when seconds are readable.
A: 2:41
